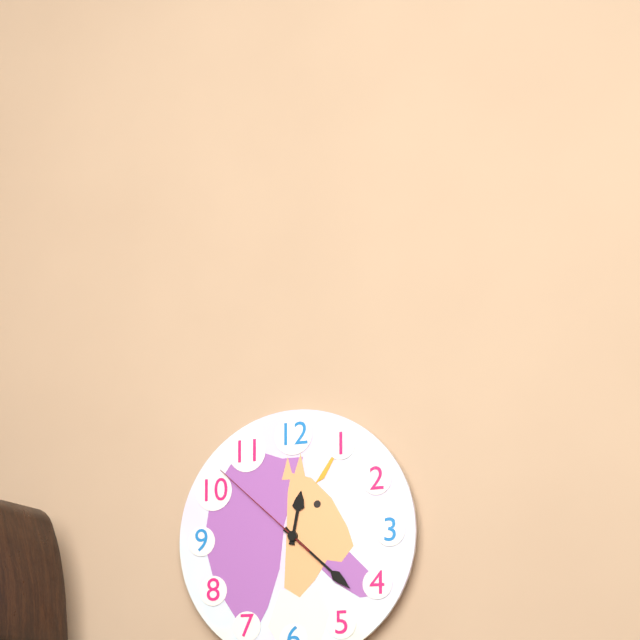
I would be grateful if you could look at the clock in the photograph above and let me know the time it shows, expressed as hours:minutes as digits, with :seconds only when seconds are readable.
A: 12:22:52
